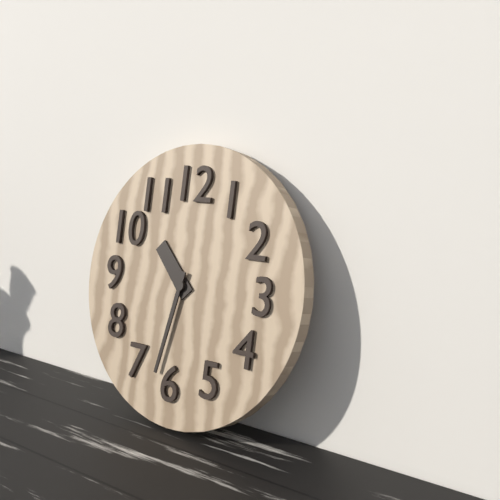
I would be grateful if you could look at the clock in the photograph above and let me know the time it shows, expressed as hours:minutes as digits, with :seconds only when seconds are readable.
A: 10:32
